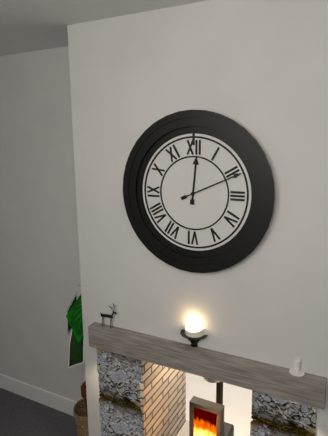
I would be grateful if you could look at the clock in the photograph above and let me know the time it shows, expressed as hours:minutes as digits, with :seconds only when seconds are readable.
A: 12:11
